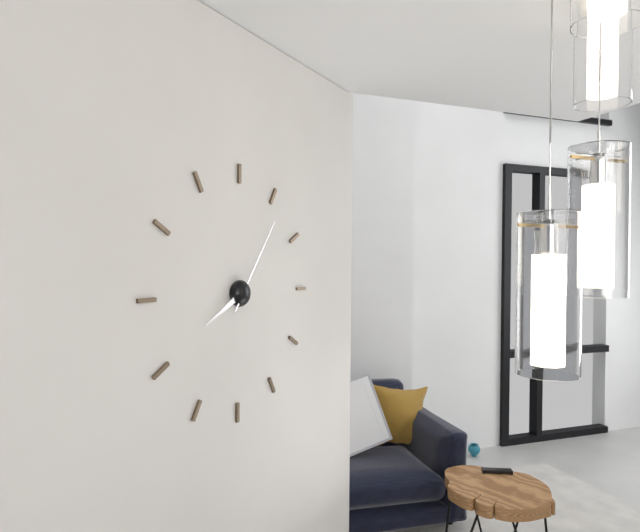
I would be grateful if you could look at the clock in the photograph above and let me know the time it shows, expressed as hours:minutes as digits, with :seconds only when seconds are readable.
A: 8:06
